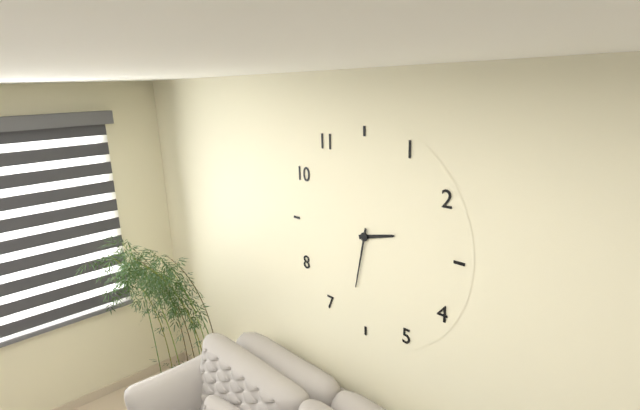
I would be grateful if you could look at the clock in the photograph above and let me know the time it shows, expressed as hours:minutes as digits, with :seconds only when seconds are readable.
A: 2:32
